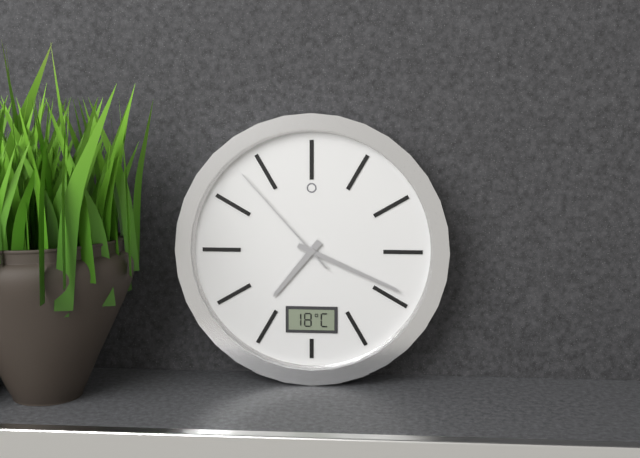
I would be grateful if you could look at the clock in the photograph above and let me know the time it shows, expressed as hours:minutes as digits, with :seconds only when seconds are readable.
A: 7:19:53
